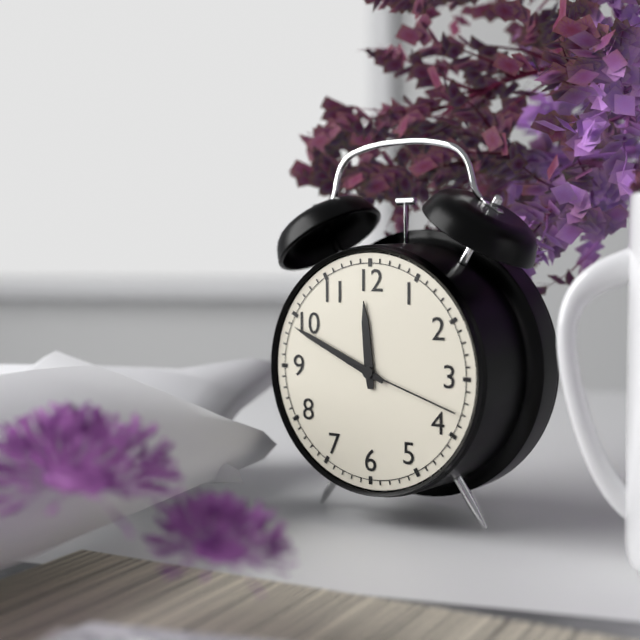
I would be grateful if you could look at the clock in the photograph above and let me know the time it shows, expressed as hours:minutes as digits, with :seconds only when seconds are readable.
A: 11:49:18
